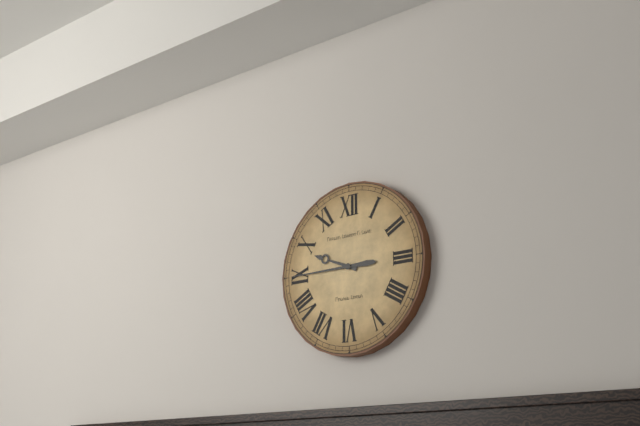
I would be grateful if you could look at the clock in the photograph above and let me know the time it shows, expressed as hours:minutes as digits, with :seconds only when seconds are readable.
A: 9:45
